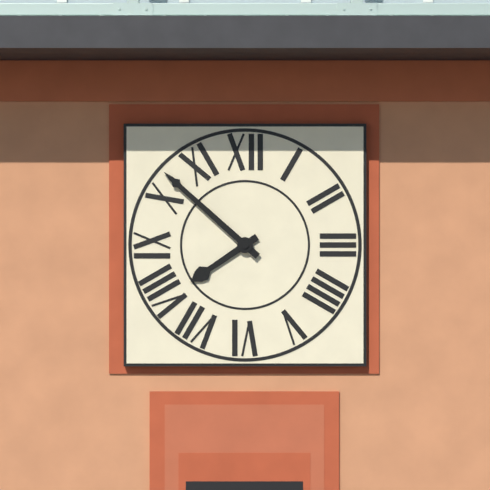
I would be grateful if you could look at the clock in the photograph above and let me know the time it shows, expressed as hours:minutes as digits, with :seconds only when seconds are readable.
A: 7:52
